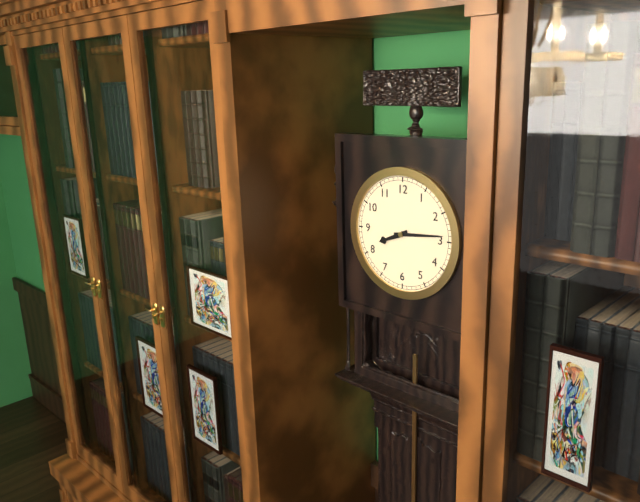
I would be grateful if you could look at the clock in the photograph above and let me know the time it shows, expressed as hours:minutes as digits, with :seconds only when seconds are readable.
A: 8:14
